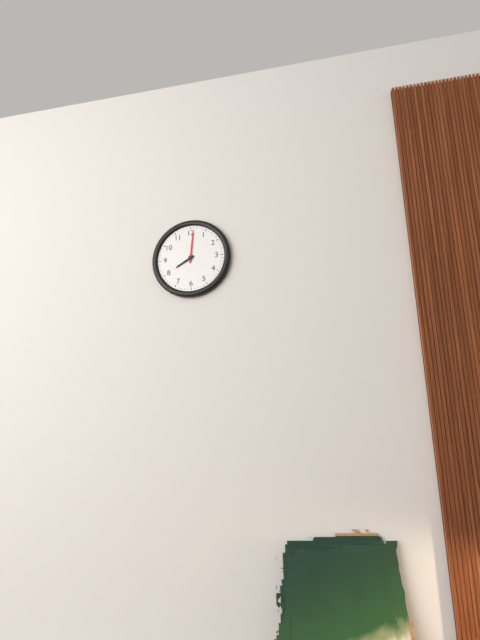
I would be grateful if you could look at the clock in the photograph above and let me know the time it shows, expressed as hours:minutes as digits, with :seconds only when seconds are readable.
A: 8:01
